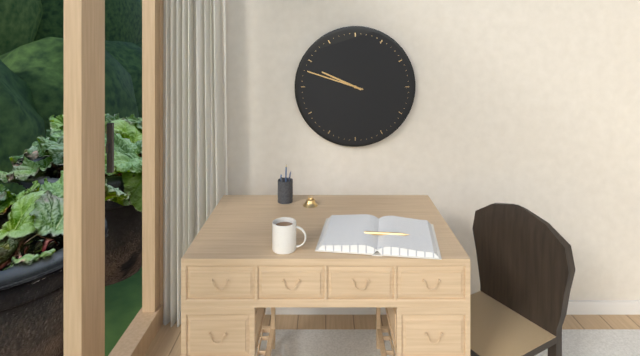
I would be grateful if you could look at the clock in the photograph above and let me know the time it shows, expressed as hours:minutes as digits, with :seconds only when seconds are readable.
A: 9:48
